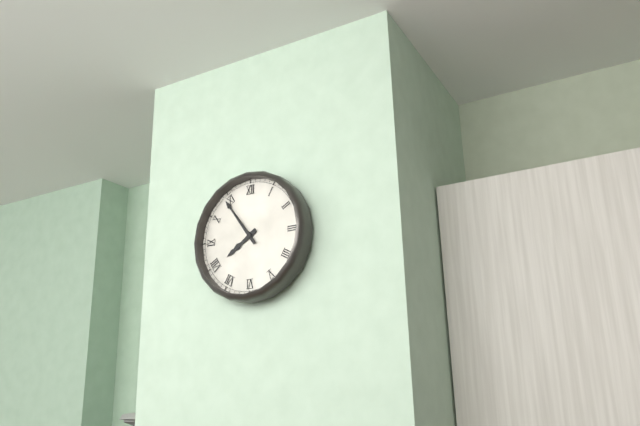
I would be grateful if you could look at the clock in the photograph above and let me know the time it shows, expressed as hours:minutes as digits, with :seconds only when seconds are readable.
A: 7:54
